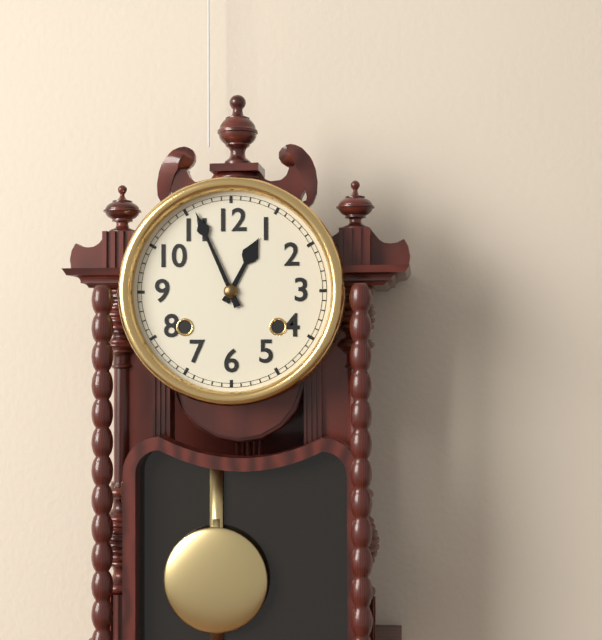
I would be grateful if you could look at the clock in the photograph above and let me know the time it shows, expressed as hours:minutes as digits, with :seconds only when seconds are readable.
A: 12:56
